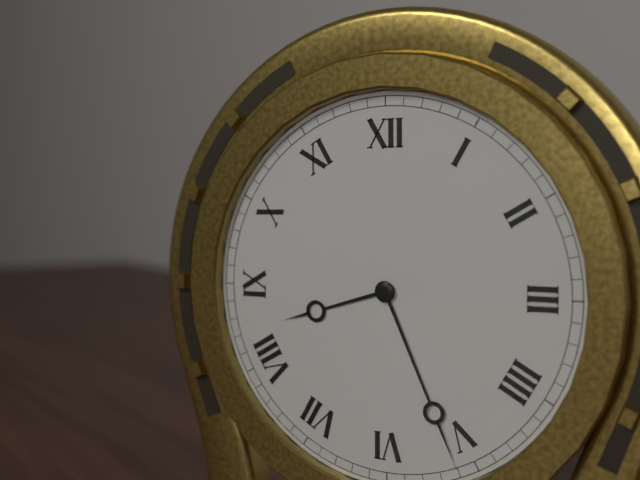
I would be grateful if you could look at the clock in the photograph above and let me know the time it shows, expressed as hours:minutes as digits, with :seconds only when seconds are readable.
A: 8:26
